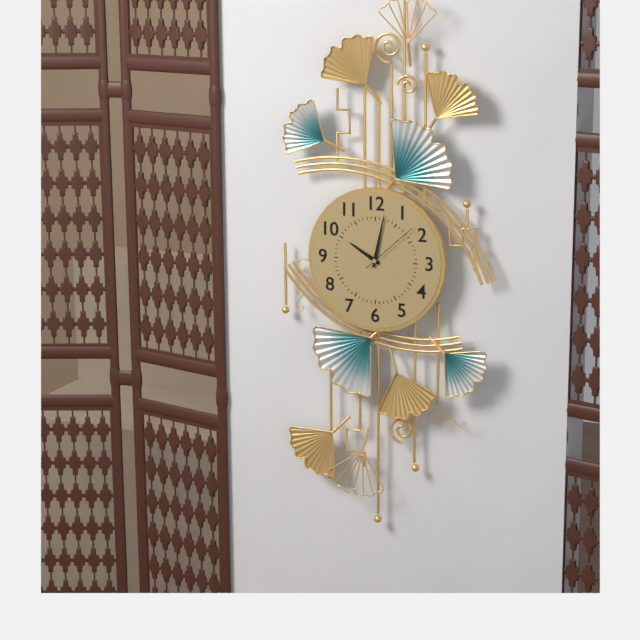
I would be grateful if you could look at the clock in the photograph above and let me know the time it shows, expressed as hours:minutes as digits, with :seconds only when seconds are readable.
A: 10:02:08
